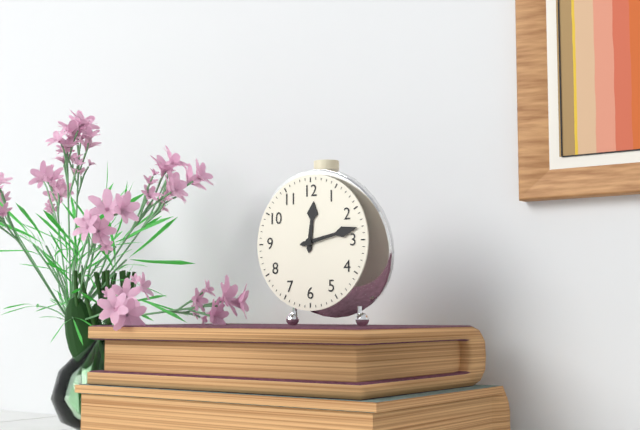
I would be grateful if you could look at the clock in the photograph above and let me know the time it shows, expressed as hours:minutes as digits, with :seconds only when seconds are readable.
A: 12:13
